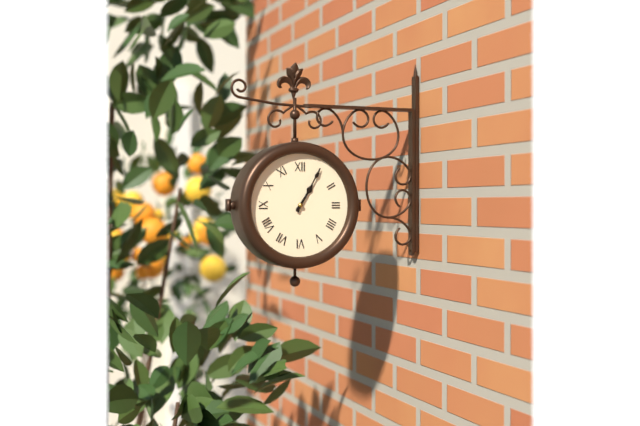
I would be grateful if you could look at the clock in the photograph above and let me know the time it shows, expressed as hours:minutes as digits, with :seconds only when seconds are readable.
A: 1:05
